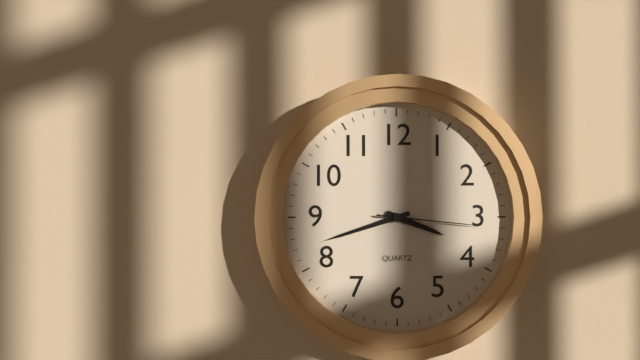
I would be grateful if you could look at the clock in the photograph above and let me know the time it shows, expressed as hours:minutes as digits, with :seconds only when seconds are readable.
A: 3:42:16
